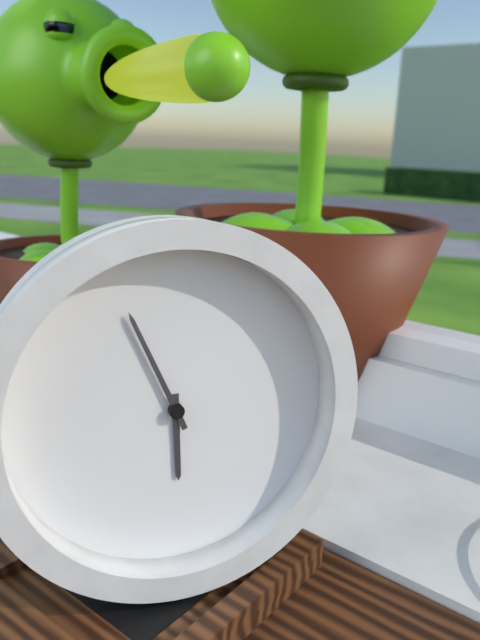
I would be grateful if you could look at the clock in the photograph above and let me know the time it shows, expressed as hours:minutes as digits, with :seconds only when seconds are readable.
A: 5:56
